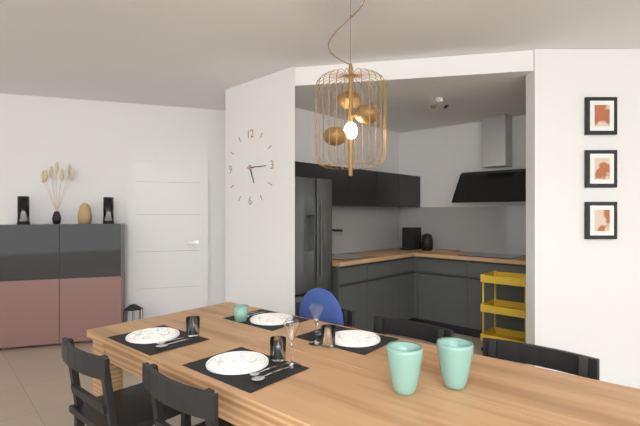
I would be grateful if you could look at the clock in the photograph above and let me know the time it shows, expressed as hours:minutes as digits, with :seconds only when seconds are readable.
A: 5:15
